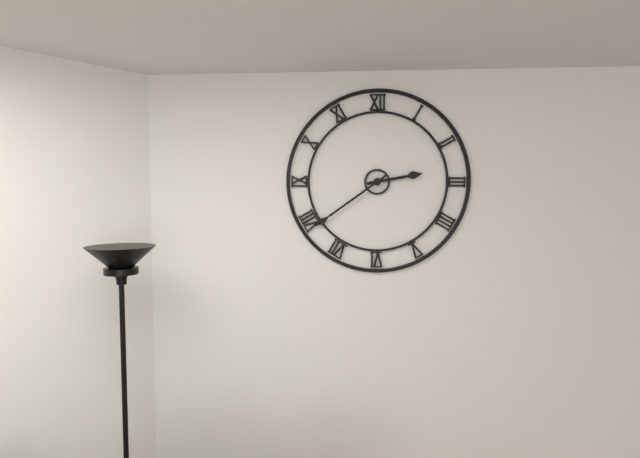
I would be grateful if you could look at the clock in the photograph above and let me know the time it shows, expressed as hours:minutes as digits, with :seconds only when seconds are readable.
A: 2:39
